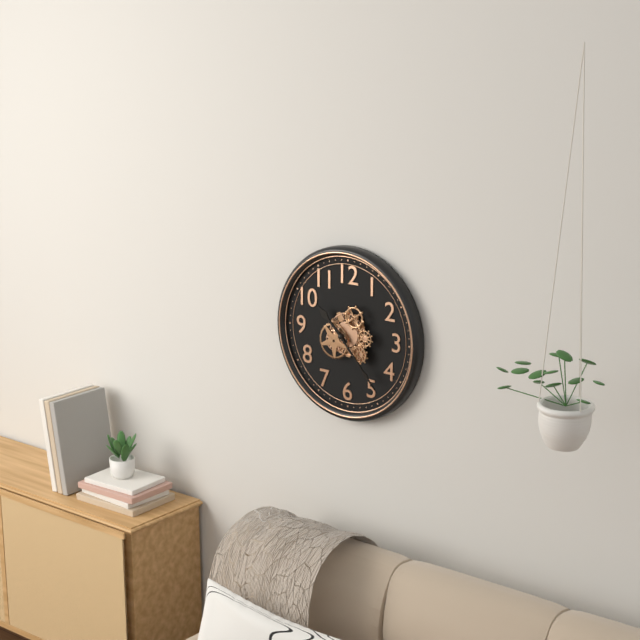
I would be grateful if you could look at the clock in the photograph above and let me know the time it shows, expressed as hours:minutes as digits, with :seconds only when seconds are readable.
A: 10:23
